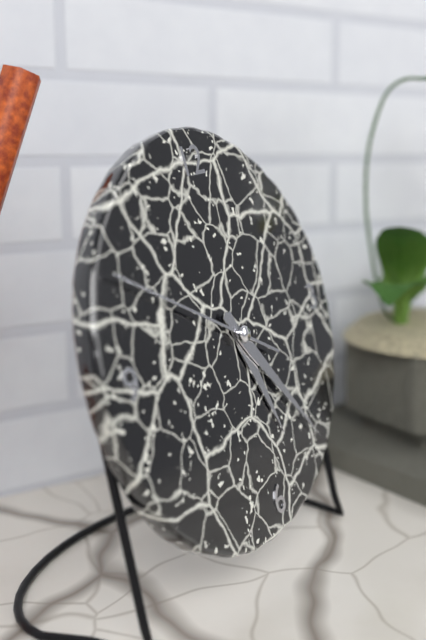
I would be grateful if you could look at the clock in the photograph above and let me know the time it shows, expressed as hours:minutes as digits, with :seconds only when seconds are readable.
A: 5:24:50
